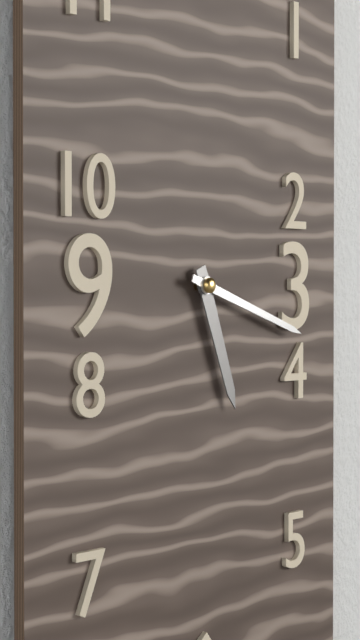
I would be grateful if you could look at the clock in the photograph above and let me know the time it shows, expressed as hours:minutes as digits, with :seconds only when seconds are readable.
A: 5:18
